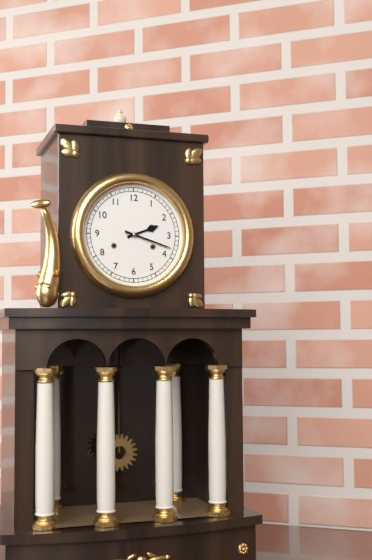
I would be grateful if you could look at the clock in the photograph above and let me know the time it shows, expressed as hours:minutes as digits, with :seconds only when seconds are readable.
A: 2:18
